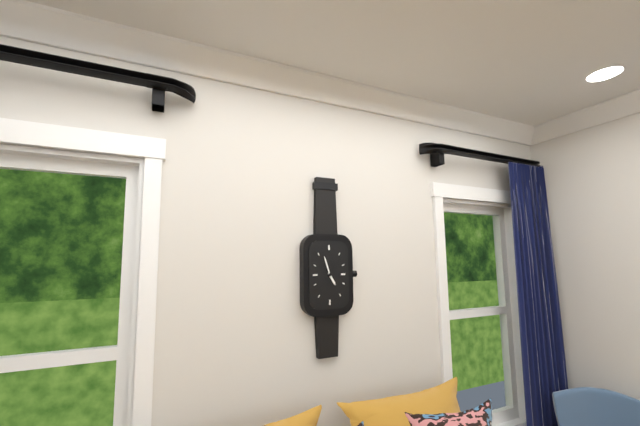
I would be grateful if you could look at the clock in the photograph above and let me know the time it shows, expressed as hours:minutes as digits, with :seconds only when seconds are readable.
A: 4:57
